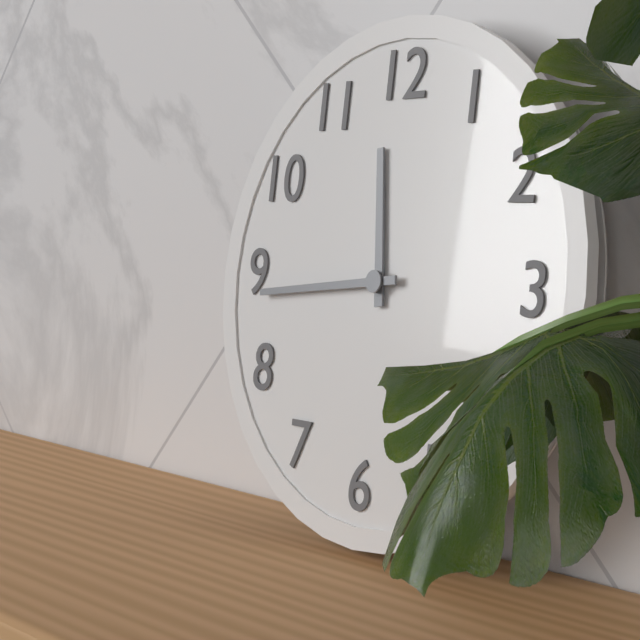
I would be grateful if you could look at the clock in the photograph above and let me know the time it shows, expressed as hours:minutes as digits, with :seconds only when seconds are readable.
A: 11:44
